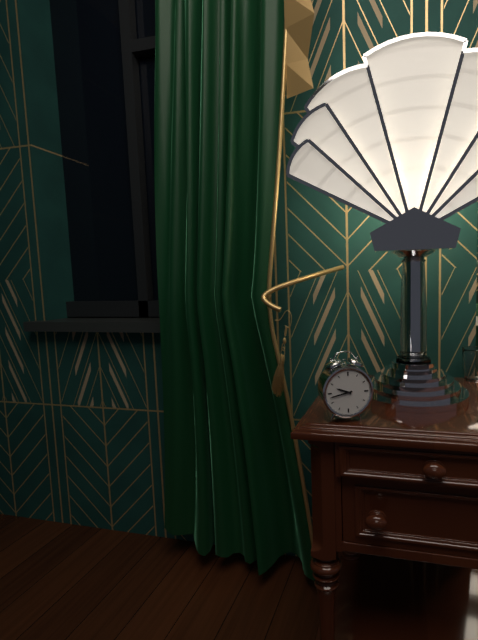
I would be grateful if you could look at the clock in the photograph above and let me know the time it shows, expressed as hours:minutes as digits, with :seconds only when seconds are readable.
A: 9:43
